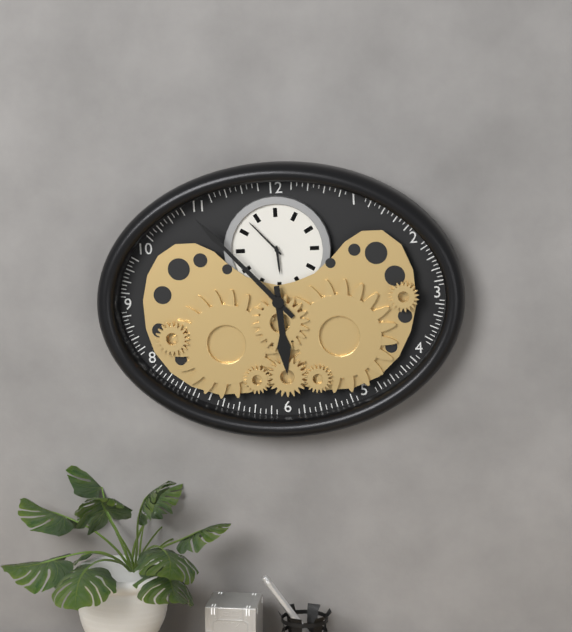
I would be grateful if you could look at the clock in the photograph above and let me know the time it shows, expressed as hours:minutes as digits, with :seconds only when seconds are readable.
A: 5:53
